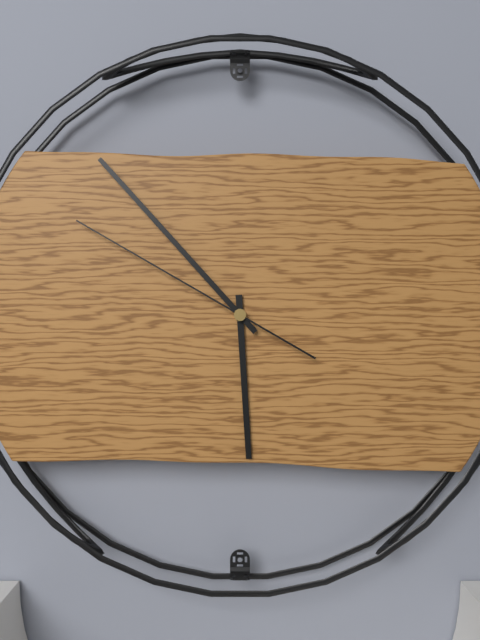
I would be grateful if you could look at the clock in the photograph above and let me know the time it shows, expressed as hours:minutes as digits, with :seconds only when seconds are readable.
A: 5:53:50
